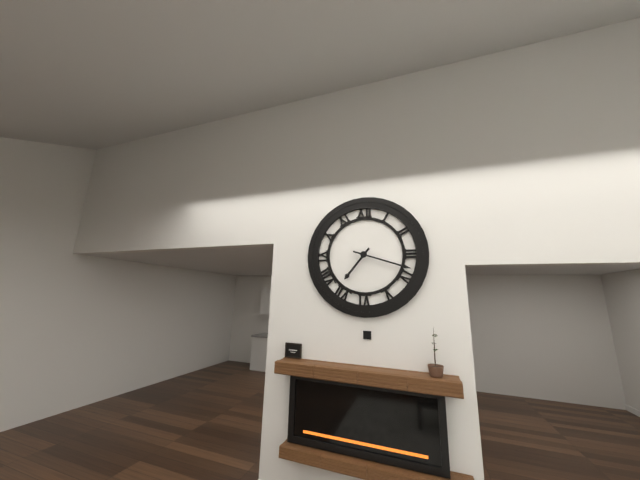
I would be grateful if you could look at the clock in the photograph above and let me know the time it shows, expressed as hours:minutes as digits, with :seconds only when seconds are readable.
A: 7:18
